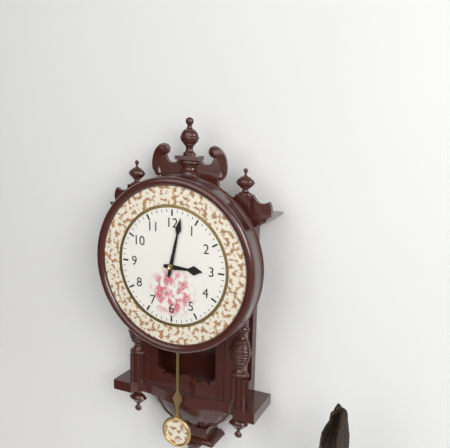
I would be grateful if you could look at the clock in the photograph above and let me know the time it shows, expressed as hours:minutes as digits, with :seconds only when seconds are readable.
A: 3:02
